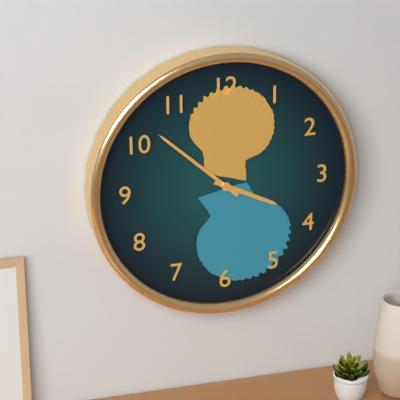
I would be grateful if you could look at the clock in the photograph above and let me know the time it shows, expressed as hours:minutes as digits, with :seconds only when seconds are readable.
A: 3:52
